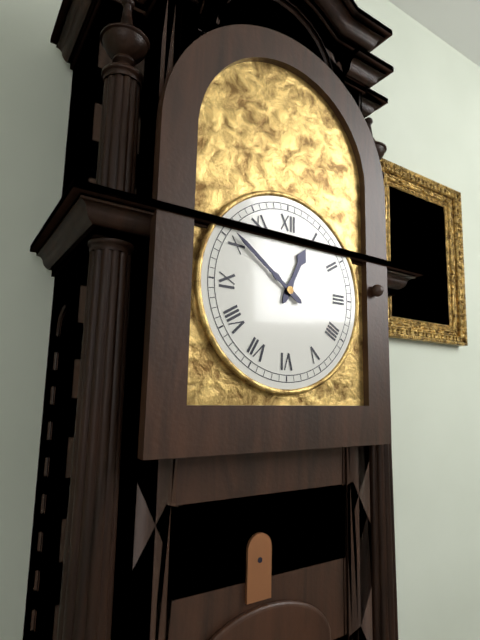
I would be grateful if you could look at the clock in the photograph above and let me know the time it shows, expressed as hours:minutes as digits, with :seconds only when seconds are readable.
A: 12:51
